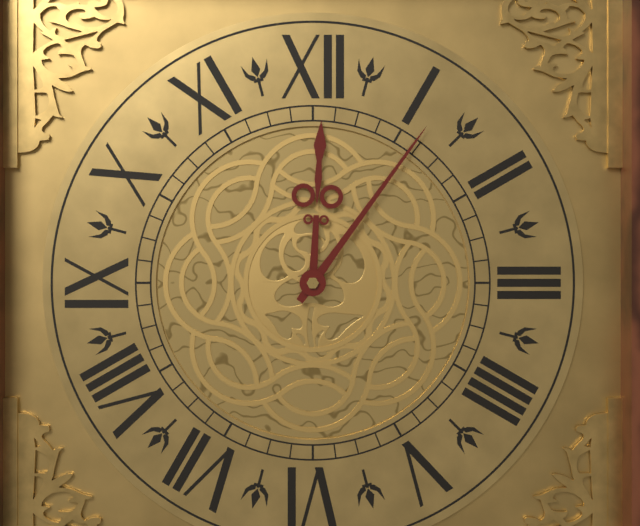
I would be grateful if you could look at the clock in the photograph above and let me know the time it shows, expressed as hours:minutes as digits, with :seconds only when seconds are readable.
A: 12:06
